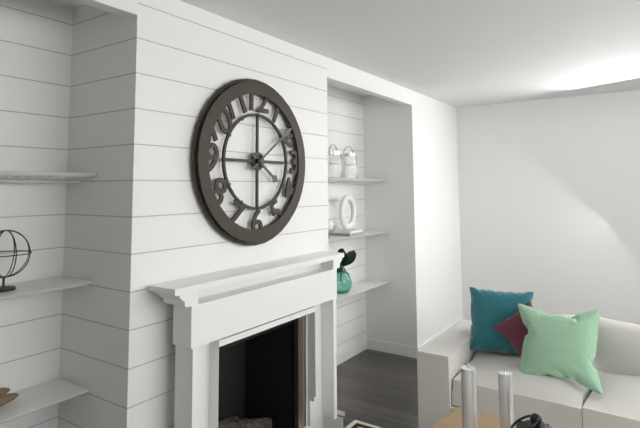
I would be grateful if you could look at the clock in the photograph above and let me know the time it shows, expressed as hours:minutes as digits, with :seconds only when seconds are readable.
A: 4:09
